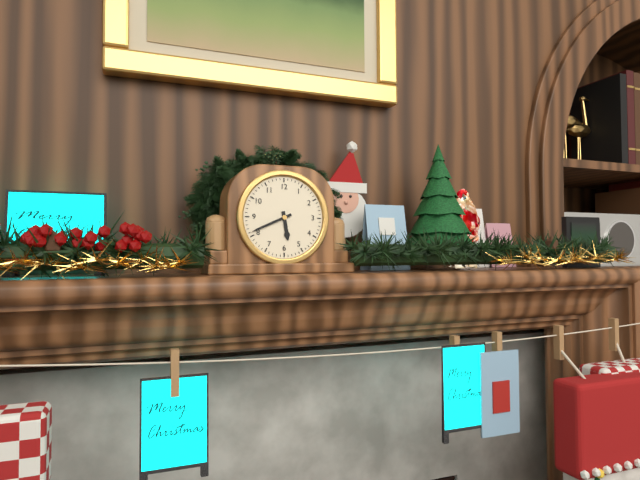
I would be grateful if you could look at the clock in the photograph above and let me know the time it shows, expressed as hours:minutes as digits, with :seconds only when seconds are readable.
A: 5:41
